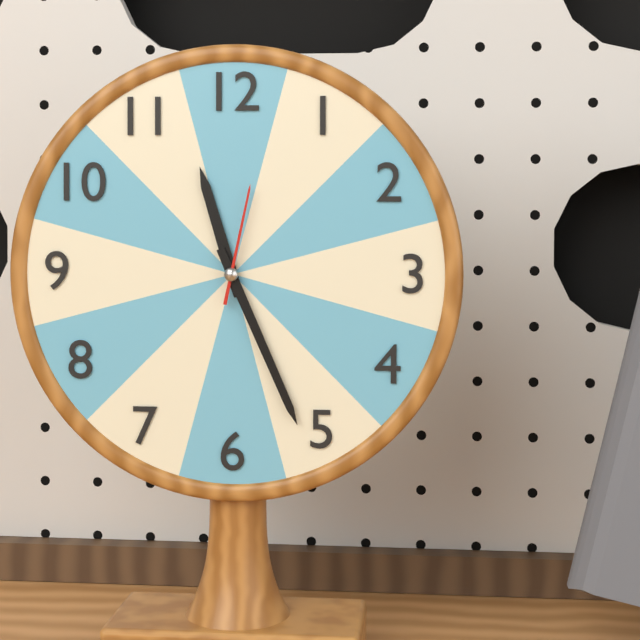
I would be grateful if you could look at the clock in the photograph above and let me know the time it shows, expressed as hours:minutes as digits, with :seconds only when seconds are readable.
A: 11:26:02
